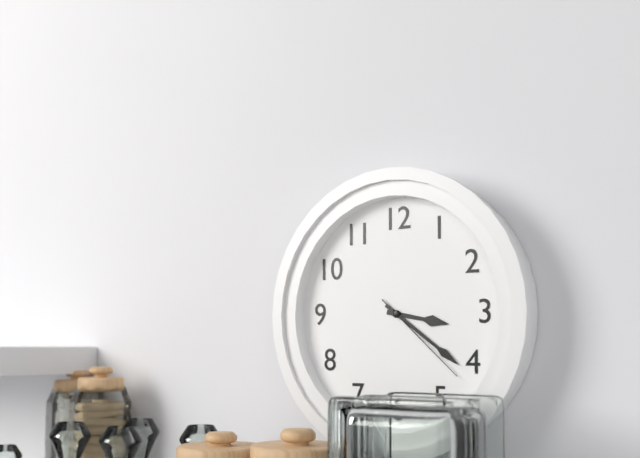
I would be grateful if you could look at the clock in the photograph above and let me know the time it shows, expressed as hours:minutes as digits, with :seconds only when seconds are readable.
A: 3:21:22
